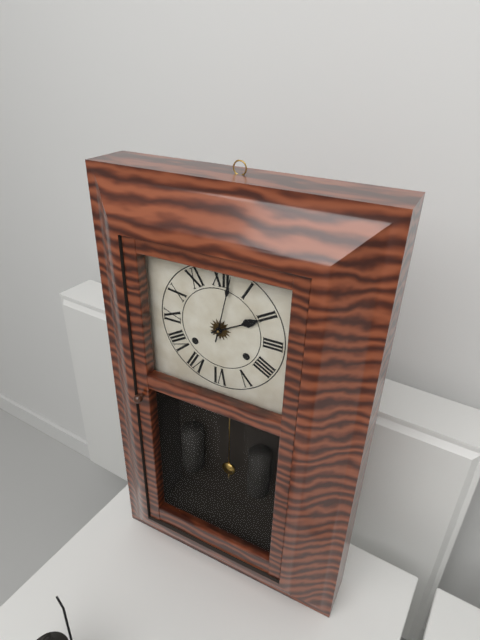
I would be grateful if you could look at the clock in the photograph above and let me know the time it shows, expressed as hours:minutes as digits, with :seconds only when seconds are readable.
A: 2:02
